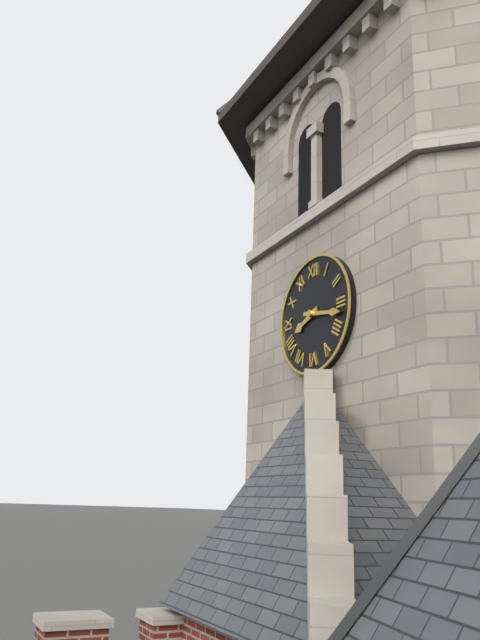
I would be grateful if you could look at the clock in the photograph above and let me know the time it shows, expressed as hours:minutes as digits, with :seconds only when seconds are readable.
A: 8:17
